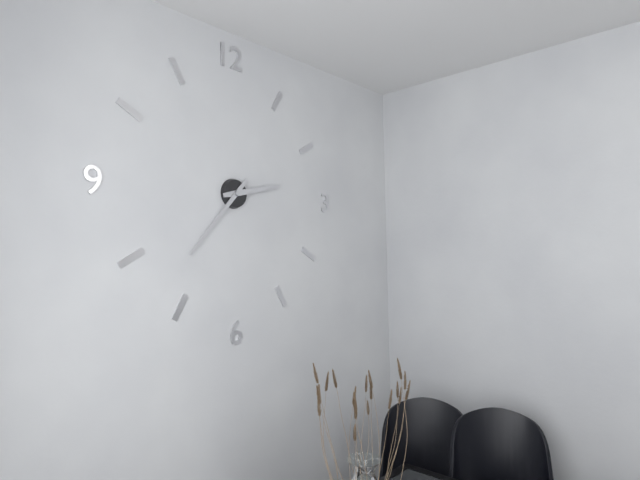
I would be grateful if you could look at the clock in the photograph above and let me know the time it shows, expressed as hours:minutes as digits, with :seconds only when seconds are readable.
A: 2:37
